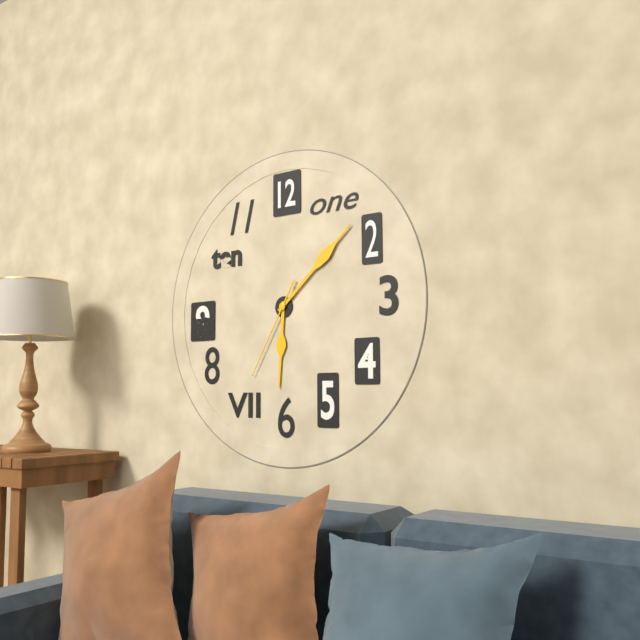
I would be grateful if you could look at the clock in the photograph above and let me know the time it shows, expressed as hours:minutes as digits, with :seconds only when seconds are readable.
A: 6:08:35
